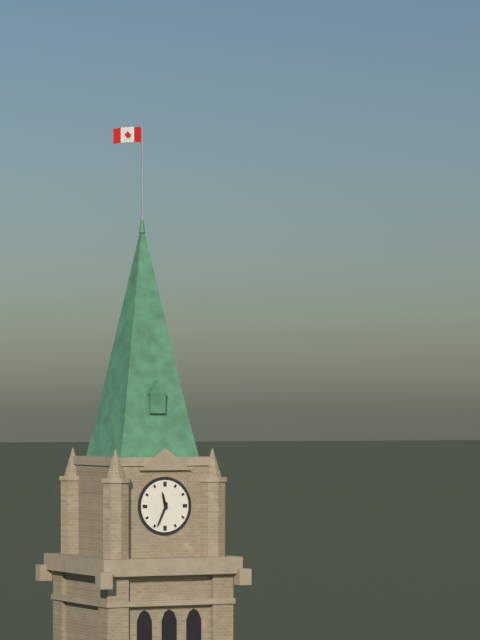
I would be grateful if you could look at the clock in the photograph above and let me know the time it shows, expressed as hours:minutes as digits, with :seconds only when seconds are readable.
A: 11:34
